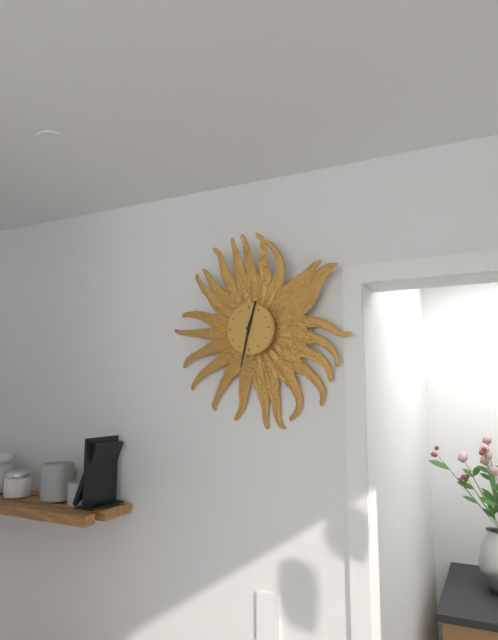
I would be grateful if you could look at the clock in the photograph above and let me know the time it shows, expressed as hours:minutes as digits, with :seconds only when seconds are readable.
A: 12:32
